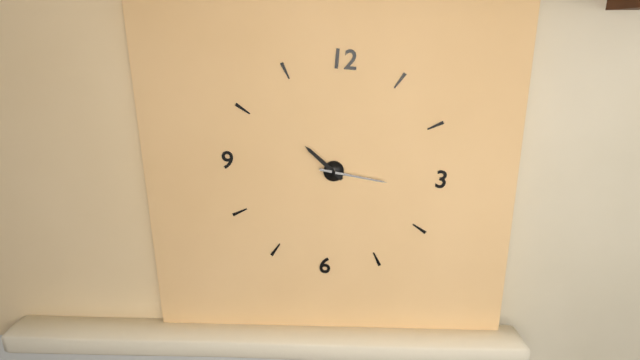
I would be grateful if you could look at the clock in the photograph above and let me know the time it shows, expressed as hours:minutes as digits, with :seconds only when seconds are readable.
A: 10:16
